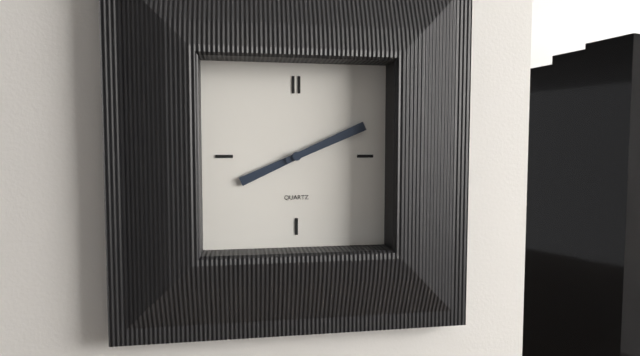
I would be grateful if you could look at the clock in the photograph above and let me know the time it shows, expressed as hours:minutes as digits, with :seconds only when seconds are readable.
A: 8:11
